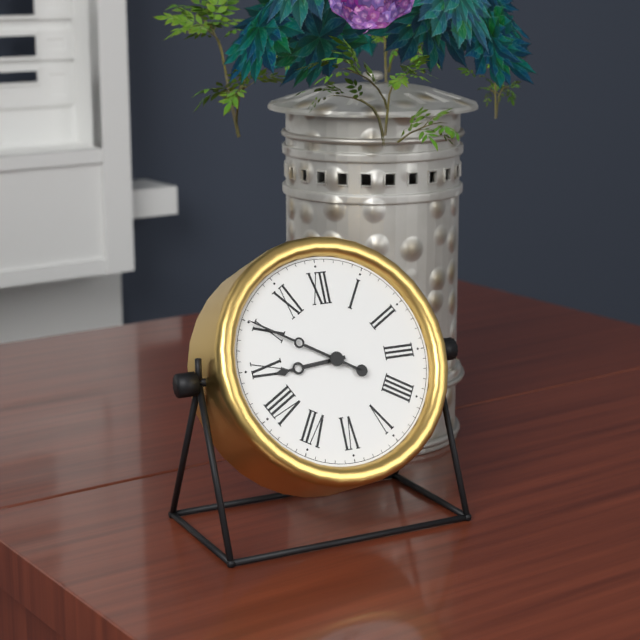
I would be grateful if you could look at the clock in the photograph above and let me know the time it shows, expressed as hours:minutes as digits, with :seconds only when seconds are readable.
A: 8:50
